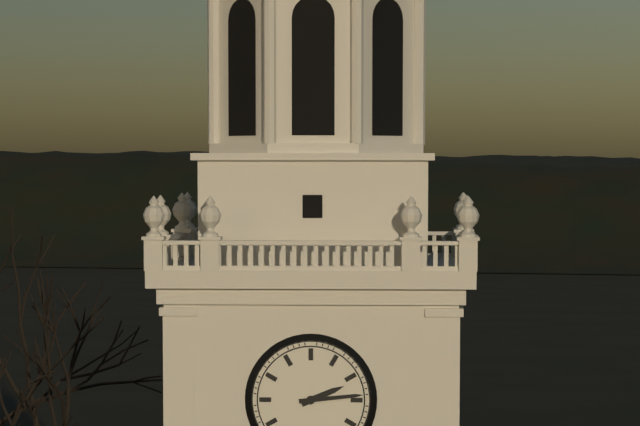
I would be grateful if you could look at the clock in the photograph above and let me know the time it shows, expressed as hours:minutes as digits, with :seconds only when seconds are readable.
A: 2:14
